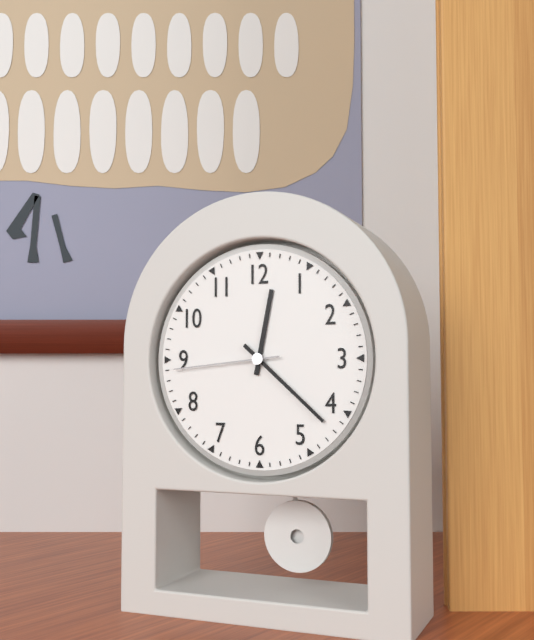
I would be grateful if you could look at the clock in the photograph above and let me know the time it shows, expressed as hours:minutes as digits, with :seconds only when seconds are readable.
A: 12:22:44
